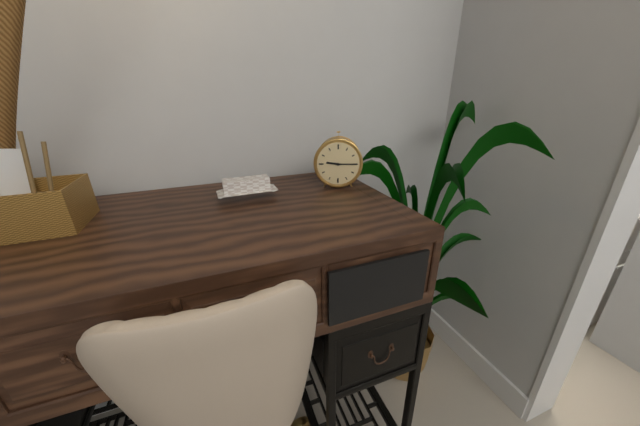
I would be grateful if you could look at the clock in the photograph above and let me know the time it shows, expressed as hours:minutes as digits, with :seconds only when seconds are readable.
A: 9:15
